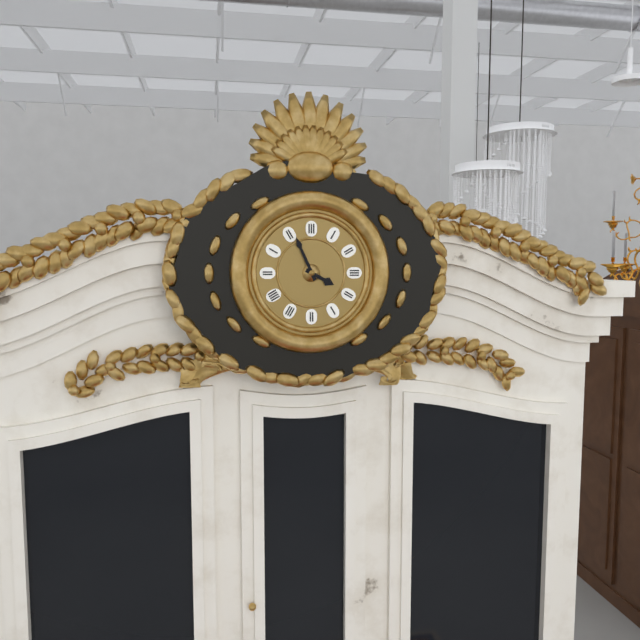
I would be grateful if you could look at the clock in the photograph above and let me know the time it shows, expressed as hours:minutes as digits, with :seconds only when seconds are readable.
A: 3:56
